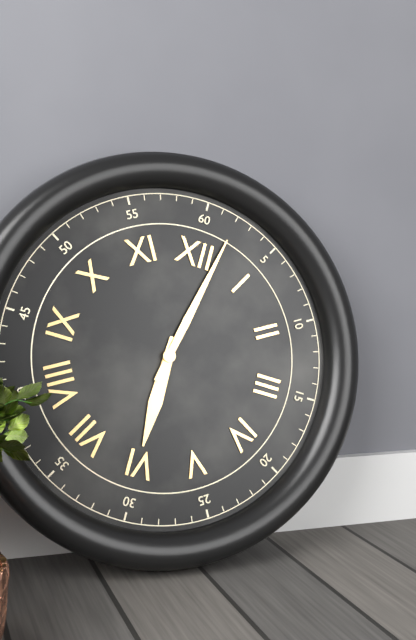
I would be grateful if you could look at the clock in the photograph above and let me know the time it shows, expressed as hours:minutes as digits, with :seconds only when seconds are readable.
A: 6:02
